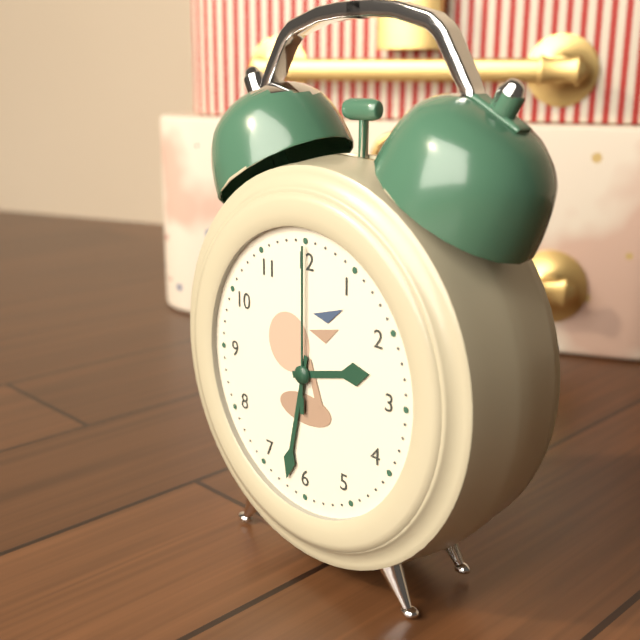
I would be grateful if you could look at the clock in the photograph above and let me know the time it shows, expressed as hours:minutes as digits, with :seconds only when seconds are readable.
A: 2:32:00
